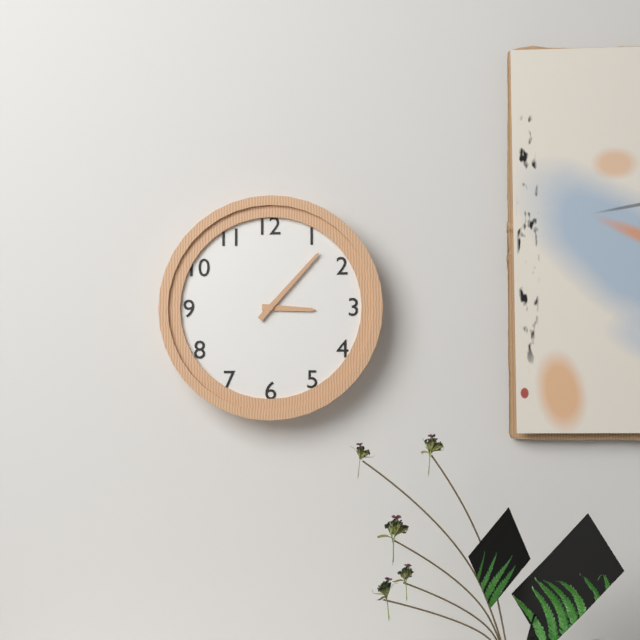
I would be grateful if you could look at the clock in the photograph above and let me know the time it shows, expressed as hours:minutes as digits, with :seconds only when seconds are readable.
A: 3:07
